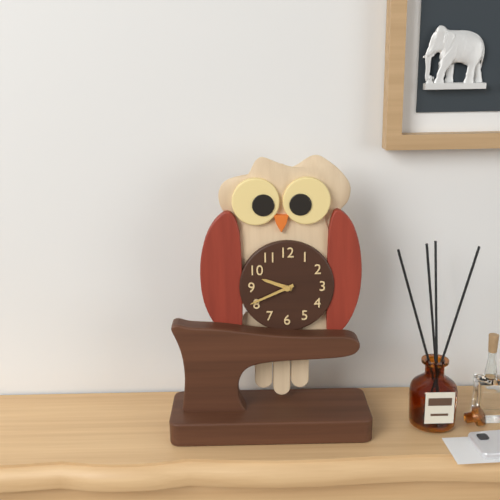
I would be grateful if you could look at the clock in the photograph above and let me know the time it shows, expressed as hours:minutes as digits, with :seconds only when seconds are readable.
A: 9:41
